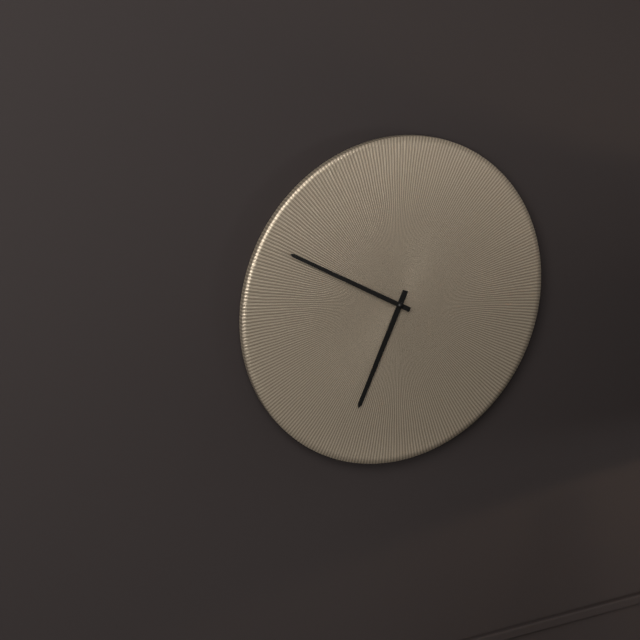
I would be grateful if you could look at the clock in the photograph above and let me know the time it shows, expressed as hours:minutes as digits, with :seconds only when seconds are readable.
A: 6:50
